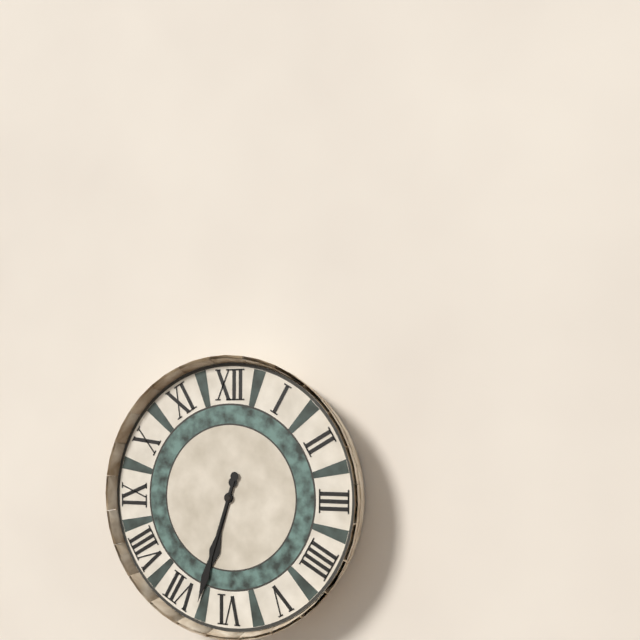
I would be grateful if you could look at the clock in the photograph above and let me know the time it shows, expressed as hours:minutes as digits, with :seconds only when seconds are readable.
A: 6:33
